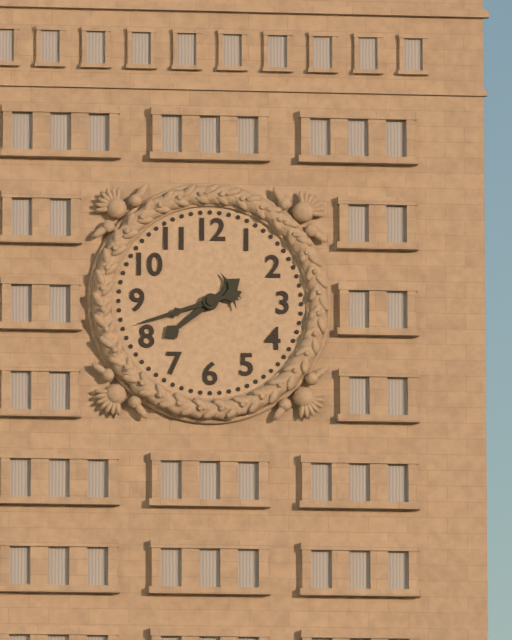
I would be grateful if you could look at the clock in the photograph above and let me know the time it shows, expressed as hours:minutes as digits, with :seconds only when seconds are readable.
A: 7:42
